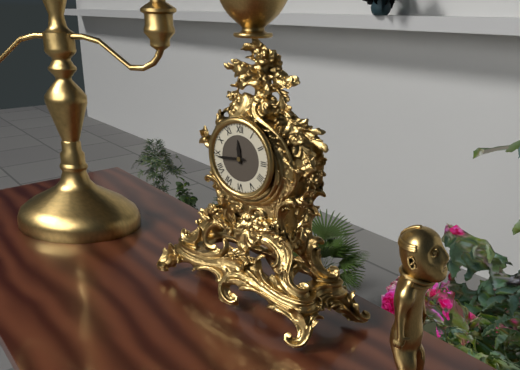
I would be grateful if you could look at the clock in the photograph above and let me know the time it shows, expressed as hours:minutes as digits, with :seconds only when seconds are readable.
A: 11:44
